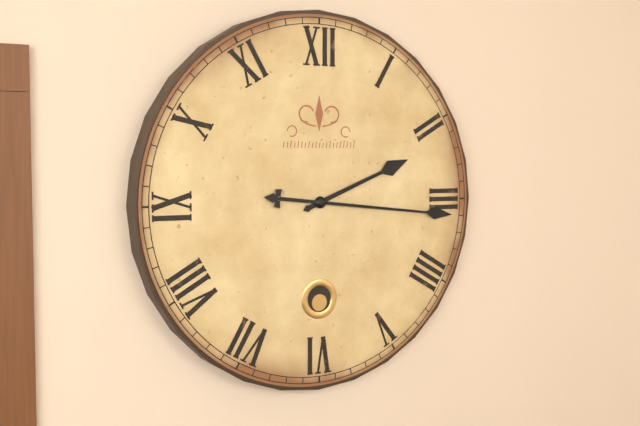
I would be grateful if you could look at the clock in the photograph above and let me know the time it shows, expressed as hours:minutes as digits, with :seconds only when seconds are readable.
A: 2:16
